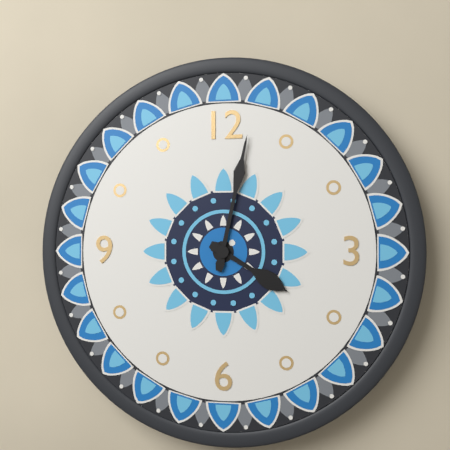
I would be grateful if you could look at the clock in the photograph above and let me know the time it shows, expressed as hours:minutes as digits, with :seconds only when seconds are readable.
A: 4:02
